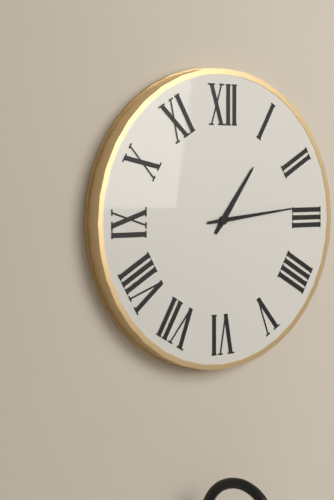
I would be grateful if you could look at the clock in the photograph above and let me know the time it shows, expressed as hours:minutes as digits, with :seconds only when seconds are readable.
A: 1:14
